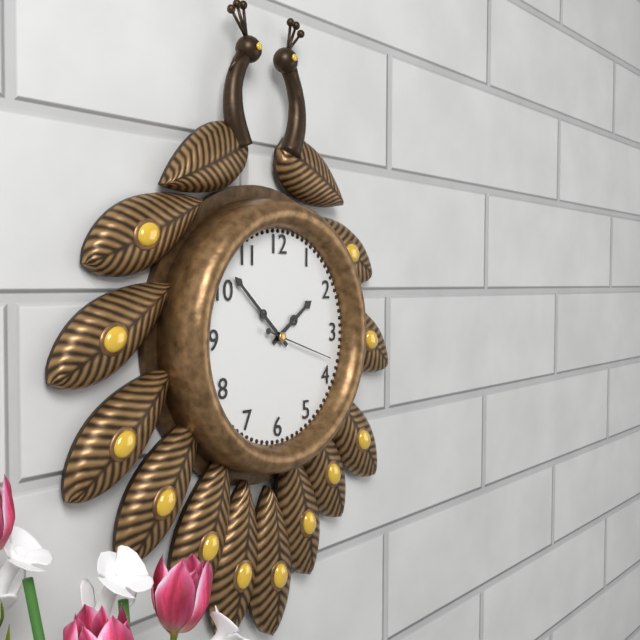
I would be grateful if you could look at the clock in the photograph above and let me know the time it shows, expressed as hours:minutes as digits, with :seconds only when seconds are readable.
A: 1:52:18
